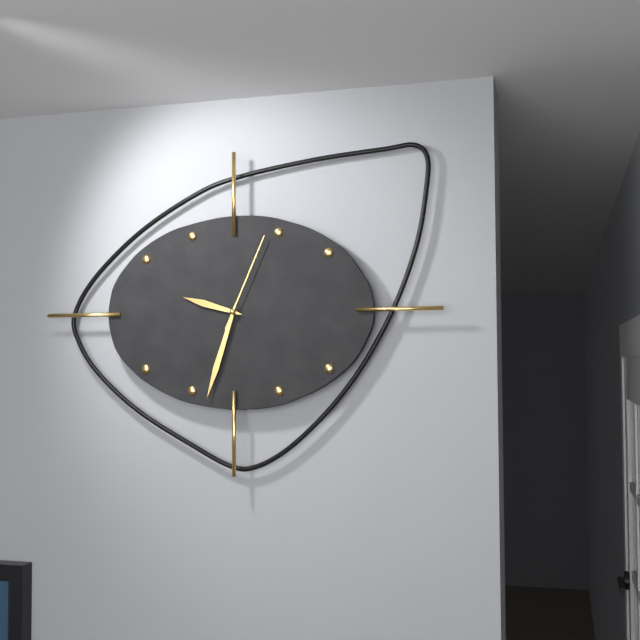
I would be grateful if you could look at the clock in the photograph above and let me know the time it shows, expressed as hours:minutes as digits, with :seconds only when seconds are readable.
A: 9:33:04
